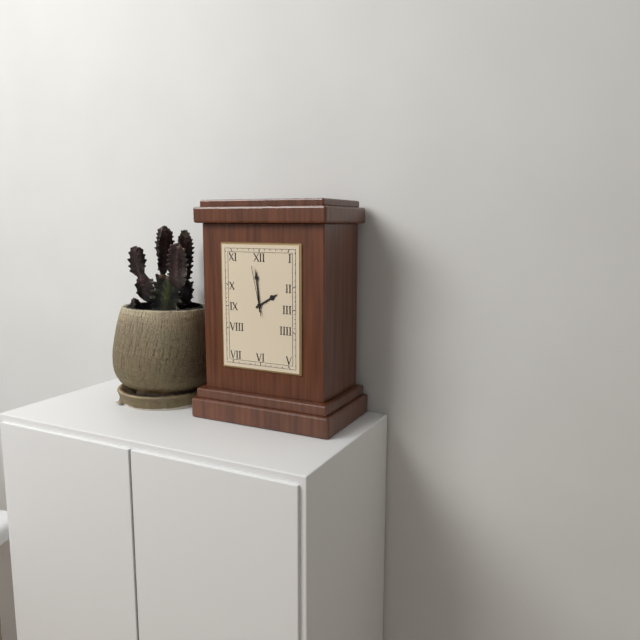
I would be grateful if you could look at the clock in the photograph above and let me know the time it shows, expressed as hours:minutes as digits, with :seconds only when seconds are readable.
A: 1:59:58
